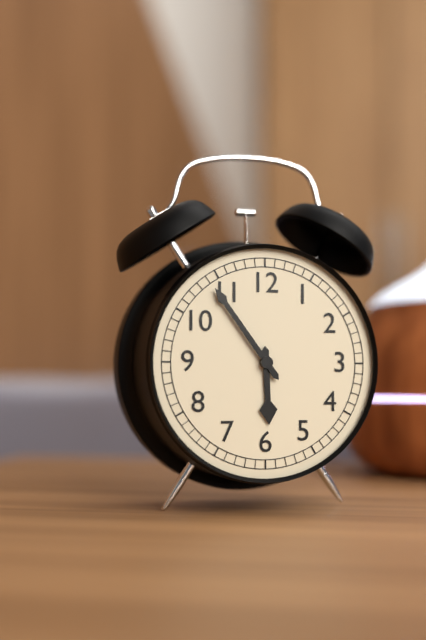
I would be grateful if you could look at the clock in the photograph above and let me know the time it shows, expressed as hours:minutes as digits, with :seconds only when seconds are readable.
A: 5:54
